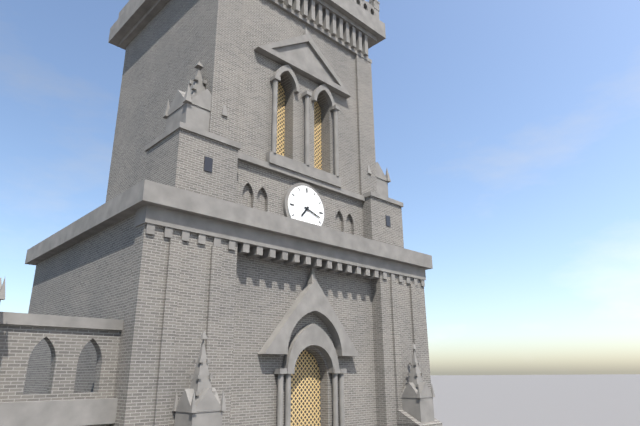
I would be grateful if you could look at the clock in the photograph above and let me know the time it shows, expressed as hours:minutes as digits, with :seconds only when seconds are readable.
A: 7:18
